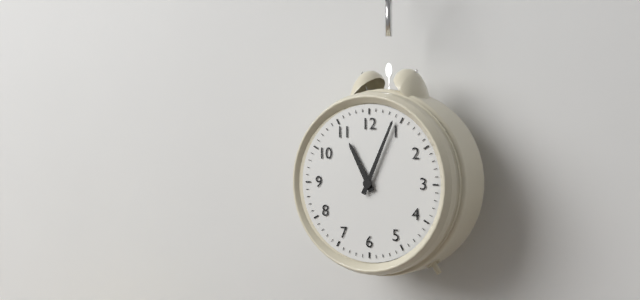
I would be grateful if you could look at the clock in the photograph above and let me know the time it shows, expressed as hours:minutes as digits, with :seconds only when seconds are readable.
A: 11:04
